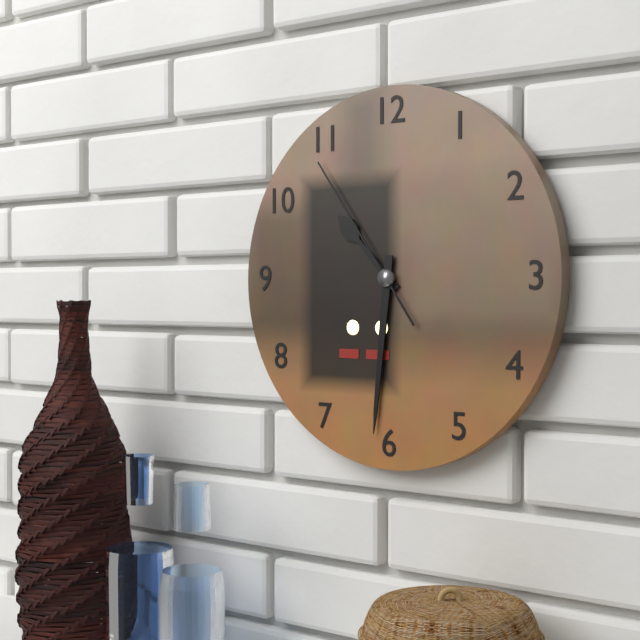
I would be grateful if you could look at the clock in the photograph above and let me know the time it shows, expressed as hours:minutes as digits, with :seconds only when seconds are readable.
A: 10:31:54
